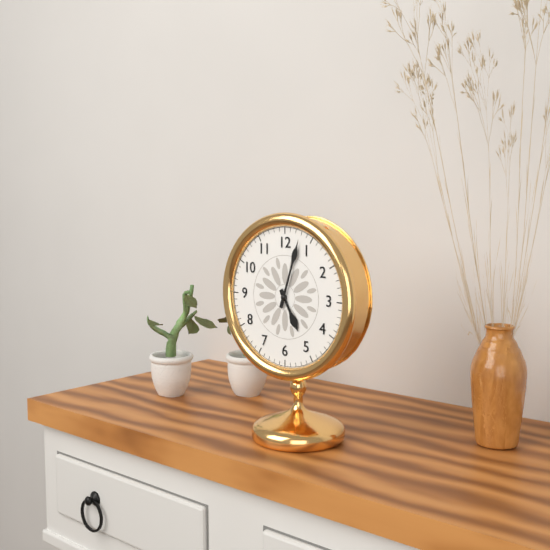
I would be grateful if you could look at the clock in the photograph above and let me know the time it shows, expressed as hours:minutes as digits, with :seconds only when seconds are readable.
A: 5:03
